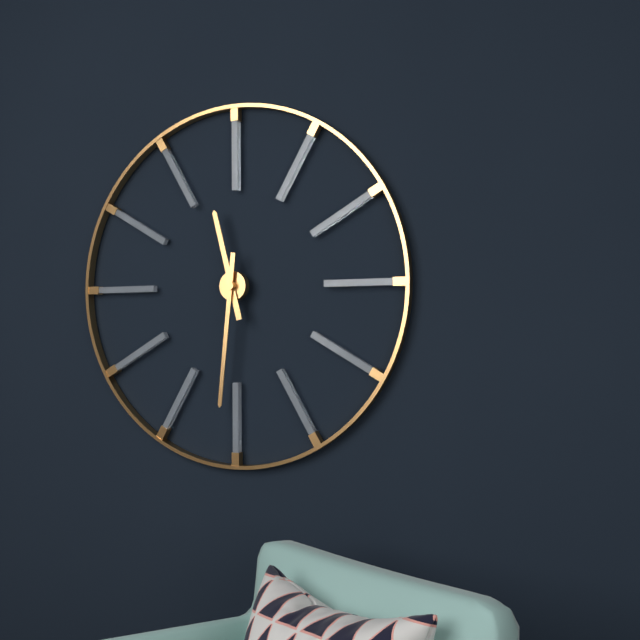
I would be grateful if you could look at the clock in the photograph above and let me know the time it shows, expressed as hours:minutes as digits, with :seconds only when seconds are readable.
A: 11:31
